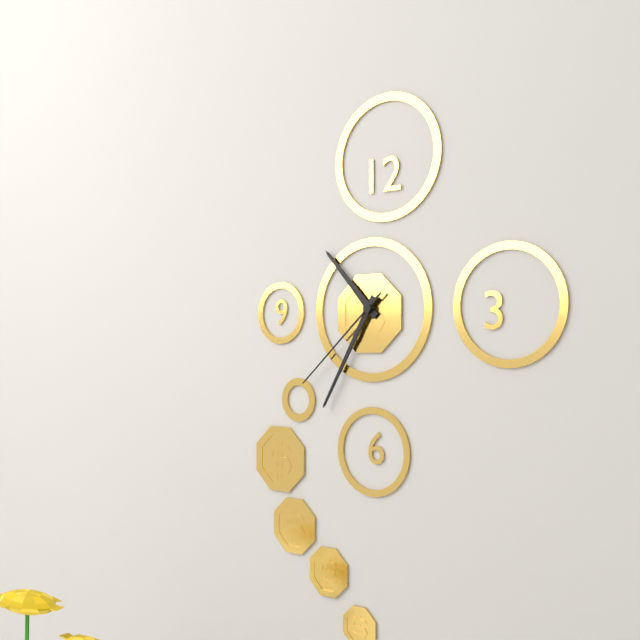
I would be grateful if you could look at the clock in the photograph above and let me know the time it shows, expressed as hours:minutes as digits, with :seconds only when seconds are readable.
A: 10:35:38
